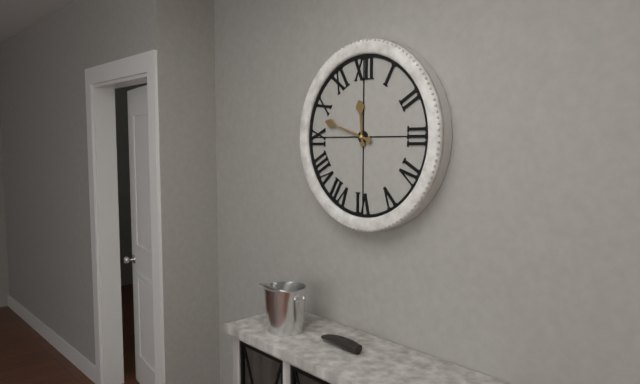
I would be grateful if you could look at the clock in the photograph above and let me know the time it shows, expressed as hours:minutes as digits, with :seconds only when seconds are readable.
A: 11:48
